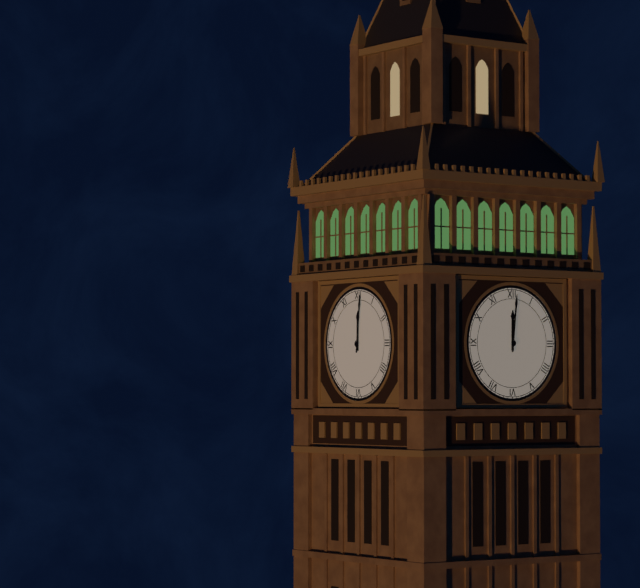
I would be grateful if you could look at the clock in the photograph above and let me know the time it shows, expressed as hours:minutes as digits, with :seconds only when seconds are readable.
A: 12:01
